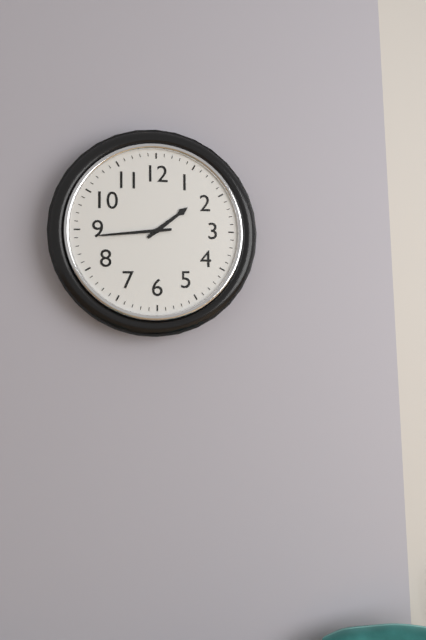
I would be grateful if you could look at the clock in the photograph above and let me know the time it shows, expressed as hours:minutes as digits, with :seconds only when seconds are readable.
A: 1:44
